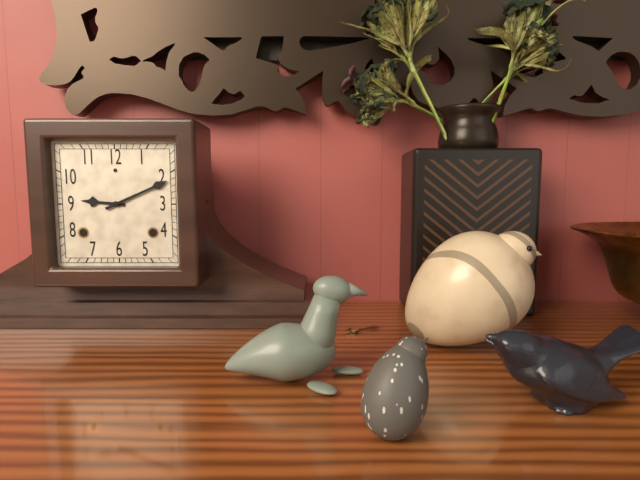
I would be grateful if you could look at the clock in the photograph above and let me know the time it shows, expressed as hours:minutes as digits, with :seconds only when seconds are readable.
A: 9:11
